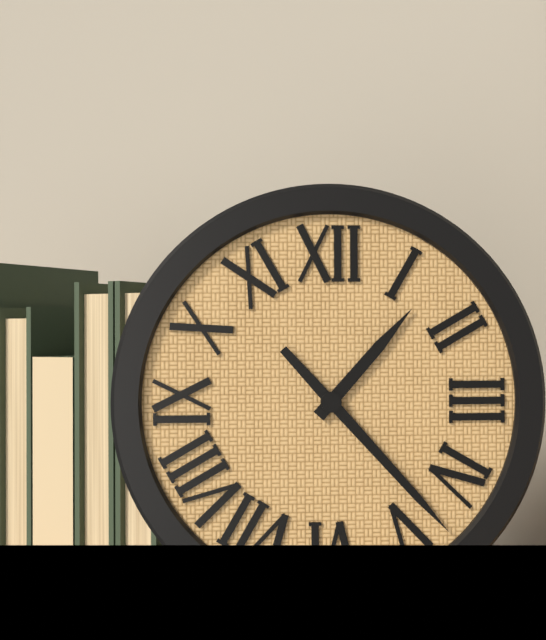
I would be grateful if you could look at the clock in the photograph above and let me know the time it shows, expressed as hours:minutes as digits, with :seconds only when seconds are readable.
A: 1:23
